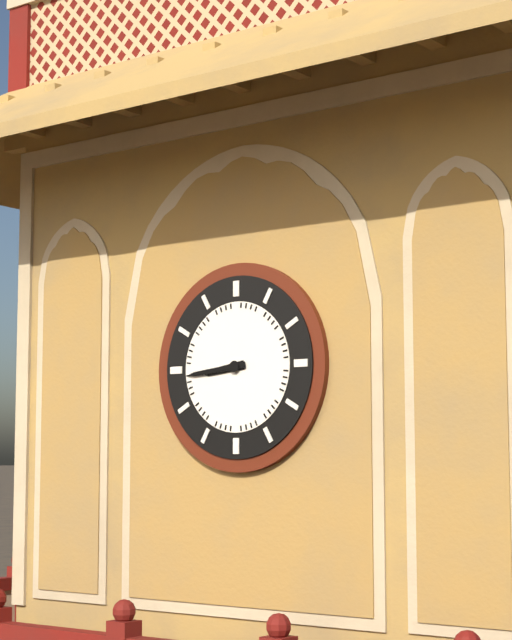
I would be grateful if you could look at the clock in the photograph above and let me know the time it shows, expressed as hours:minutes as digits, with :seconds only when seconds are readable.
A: 8:44
